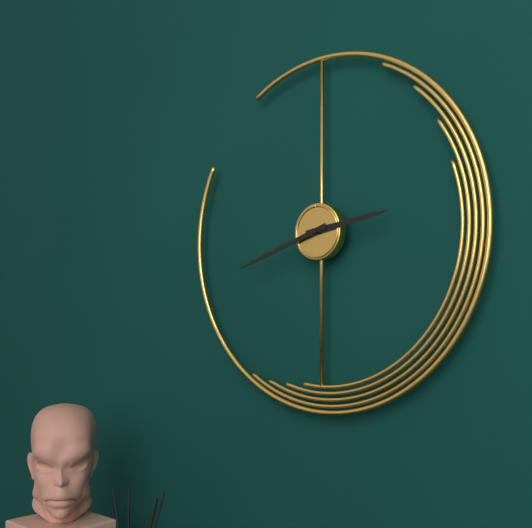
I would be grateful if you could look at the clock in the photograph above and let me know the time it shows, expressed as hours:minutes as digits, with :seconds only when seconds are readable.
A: 2:42
